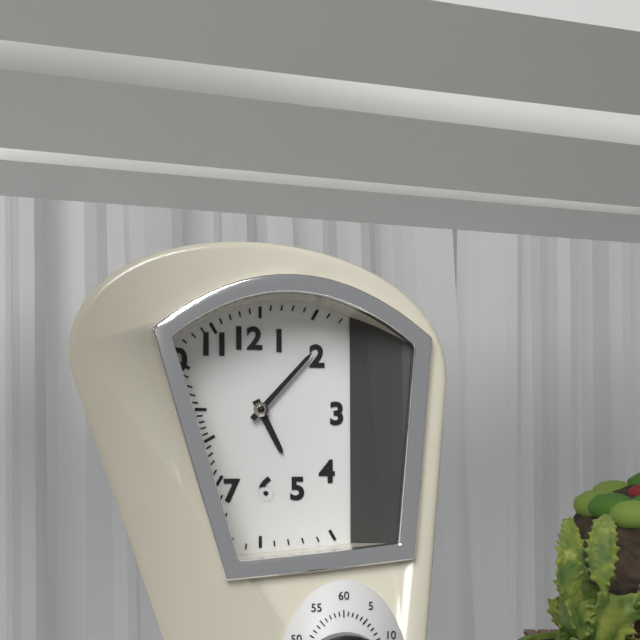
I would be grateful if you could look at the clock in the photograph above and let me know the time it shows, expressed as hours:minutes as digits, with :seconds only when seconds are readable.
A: 5:07
